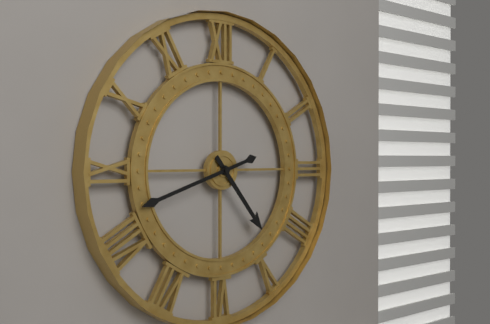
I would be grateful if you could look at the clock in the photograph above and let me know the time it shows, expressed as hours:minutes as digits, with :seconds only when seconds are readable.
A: 4:42
